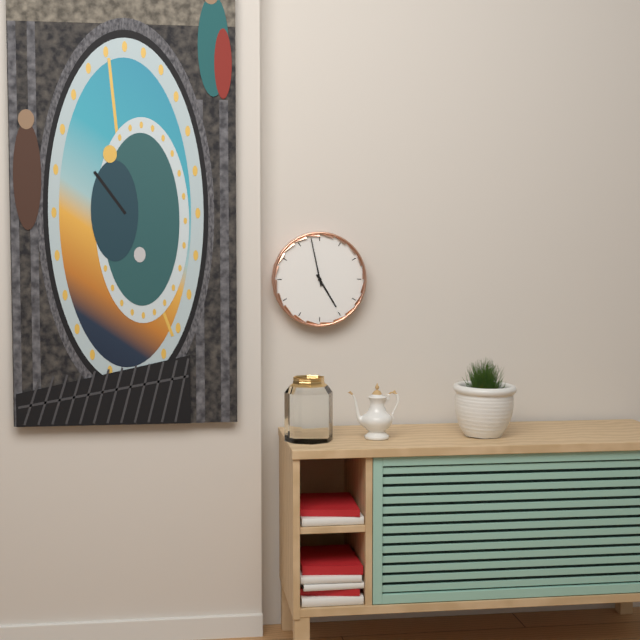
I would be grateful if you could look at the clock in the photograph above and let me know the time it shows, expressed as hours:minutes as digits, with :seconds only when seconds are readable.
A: 4:58
